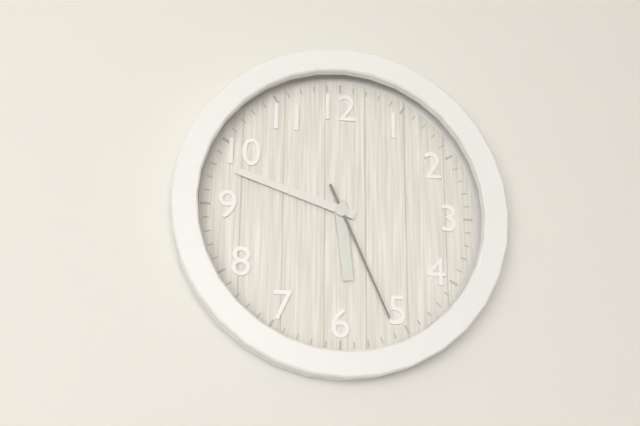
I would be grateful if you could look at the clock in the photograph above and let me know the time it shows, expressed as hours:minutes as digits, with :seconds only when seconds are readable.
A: 5:48:26
